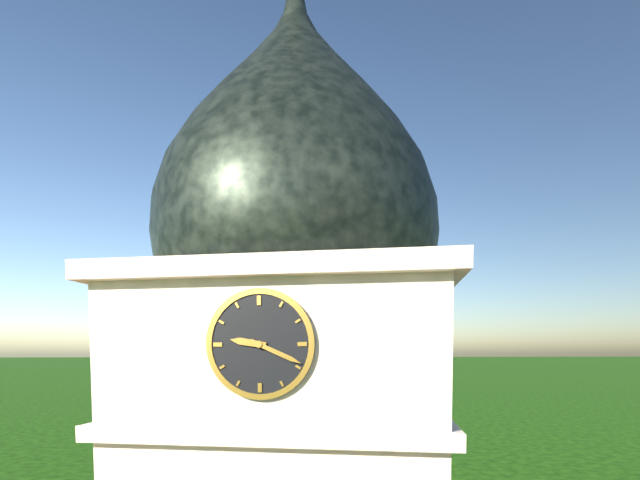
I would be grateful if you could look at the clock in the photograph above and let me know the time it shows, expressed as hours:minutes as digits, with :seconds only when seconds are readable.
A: 9:19
